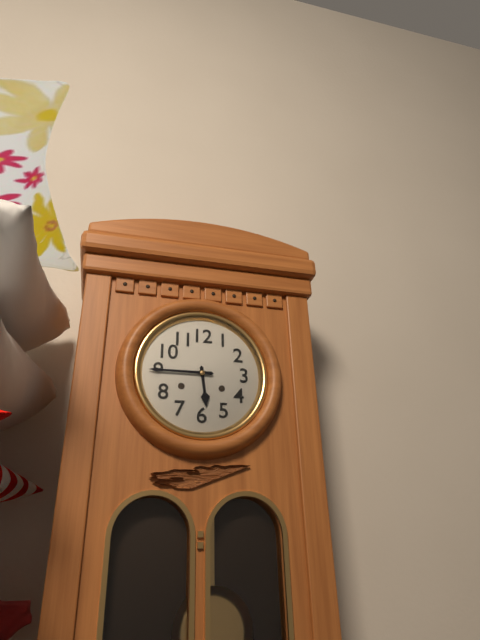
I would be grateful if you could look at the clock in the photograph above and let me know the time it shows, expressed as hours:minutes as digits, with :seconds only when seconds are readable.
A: 5:45
